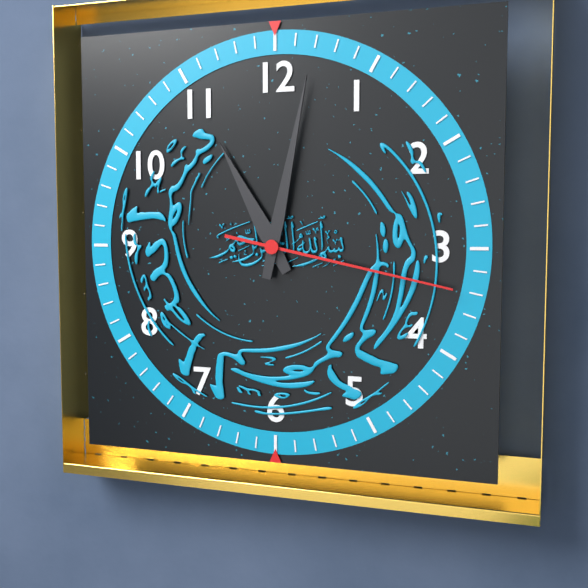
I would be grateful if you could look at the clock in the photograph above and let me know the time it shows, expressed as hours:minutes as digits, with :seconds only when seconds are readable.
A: 11:02:17
